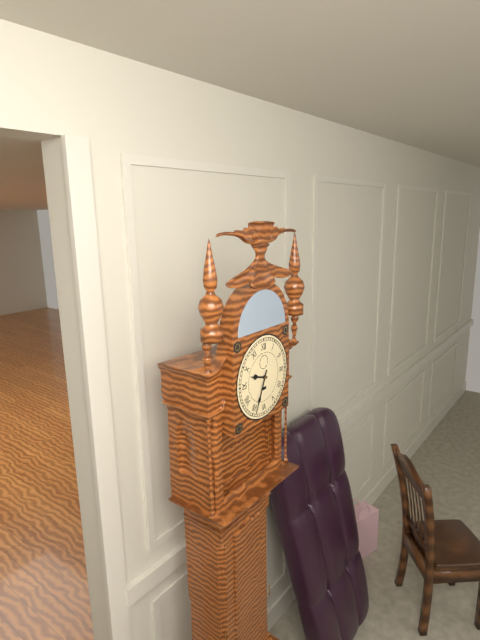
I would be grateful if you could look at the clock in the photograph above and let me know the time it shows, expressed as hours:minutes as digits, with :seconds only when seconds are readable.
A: 9:34
